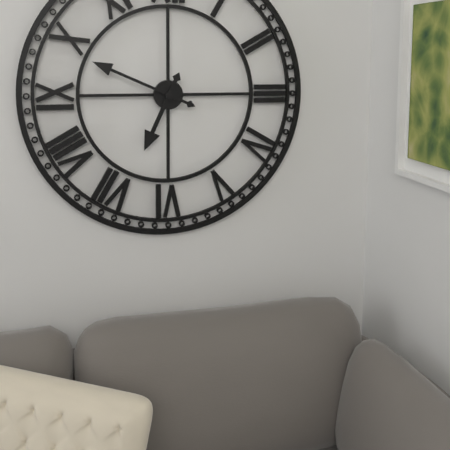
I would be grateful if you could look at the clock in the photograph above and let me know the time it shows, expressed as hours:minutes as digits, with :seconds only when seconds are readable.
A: 6:49
